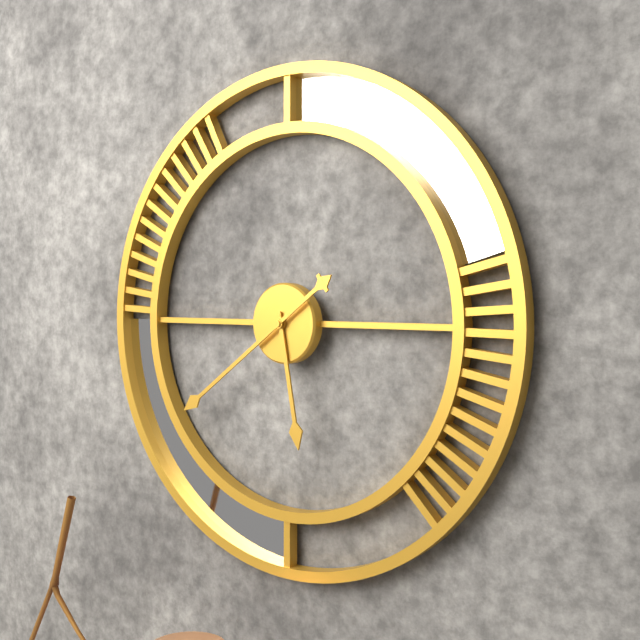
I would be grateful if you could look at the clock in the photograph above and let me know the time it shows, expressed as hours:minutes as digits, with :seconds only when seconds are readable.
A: 5:39
